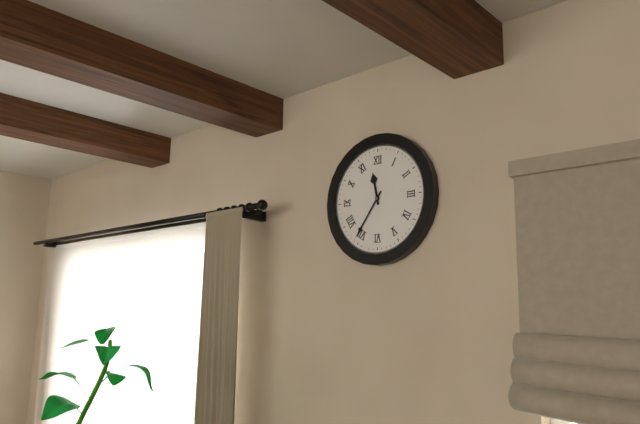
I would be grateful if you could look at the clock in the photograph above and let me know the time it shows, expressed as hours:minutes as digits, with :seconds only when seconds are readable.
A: 11:36
